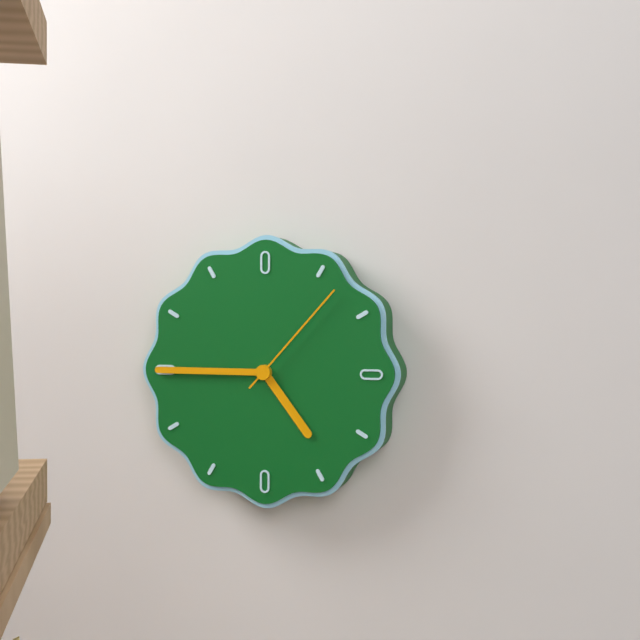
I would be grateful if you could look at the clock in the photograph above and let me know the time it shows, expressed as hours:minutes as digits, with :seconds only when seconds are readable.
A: 4:45:07
